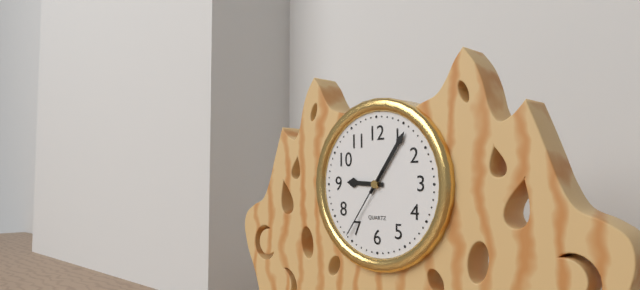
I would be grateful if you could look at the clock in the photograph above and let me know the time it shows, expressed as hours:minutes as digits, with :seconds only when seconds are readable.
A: 9:06:36
